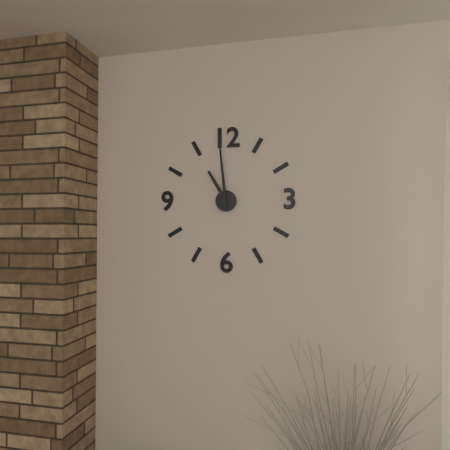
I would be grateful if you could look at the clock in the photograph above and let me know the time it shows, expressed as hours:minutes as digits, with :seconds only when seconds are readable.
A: 10:59
